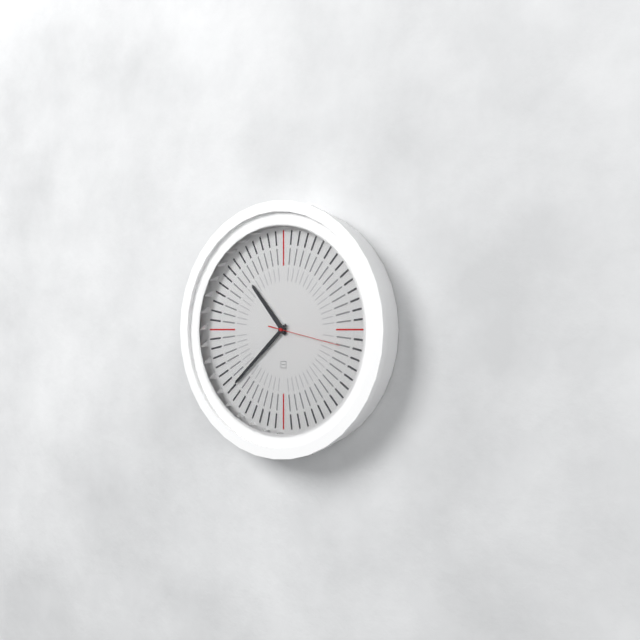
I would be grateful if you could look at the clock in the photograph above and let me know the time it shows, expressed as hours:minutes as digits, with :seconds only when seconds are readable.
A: 10:38:17
